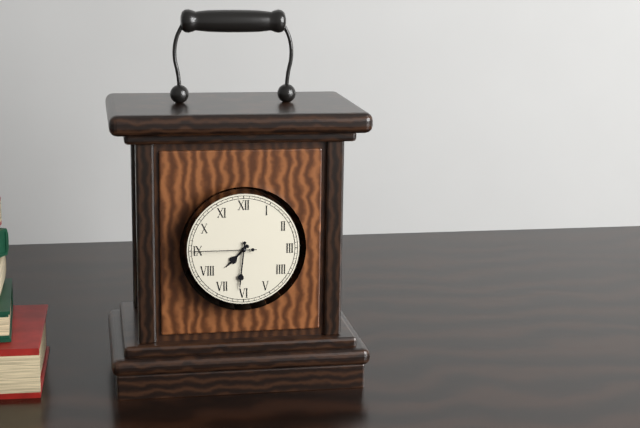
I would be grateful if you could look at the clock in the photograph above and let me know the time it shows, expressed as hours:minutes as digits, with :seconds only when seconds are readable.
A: 7:31:45
